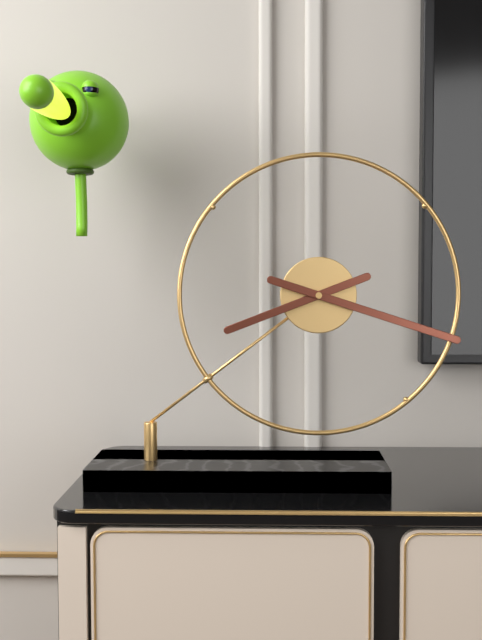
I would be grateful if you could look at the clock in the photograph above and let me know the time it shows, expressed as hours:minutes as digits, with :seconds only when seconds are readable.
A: 8:18
